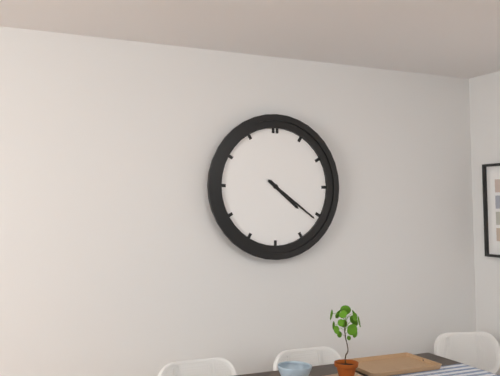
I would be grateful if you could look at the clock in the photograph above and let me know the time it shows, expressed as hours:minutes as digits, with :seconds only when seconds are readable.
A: 4:21
